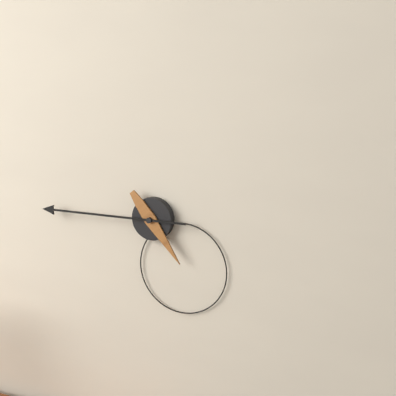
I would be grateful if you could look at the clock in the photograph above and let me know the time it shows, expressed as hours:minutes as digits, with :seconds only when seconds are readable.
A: 4:45
